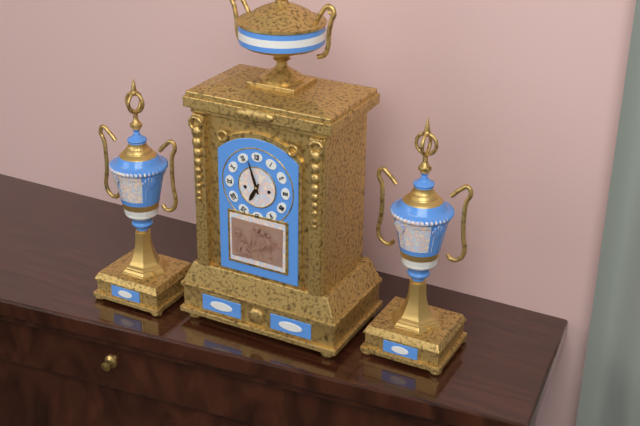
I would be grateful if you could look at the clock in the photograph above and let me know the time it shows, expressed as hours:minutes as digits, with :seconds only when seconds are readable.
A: 6:57
